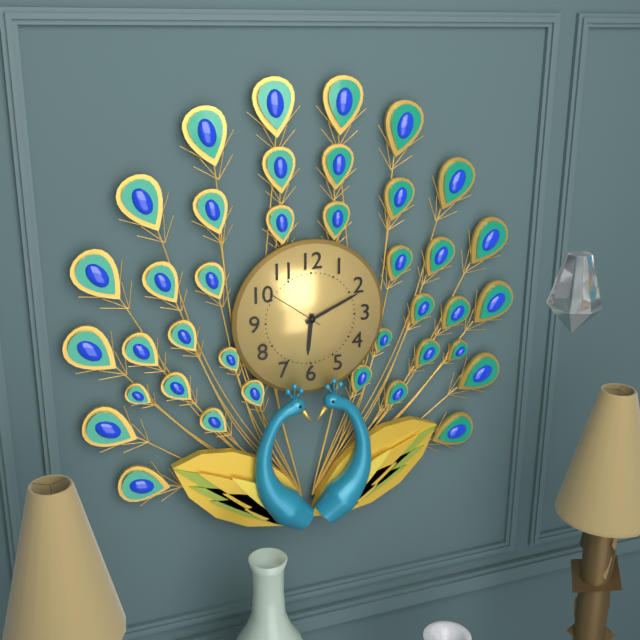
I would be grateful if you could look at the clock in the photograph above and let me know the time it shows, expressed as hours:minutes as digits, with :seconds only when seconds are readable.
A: 6:11:51
